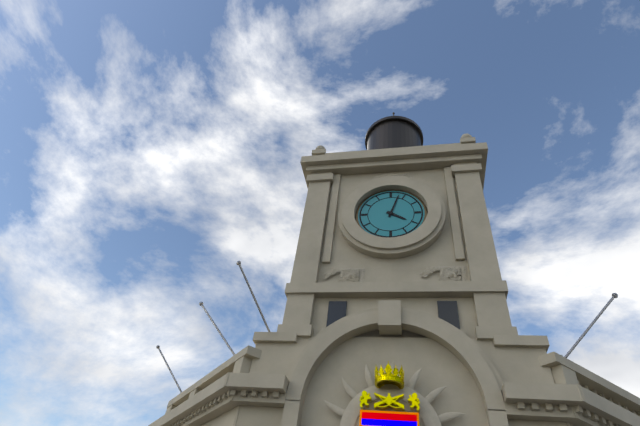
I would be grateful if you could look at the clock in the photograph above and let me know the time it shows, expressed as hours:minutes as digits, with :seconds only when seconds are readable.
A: 4:03
